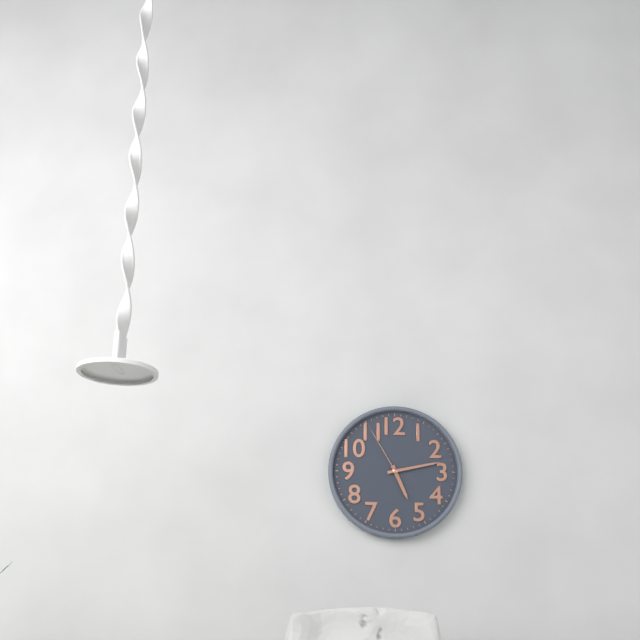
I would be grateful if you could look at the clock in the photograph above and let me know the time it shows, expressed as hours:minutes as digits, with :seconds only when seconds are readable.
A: 5:13:55
